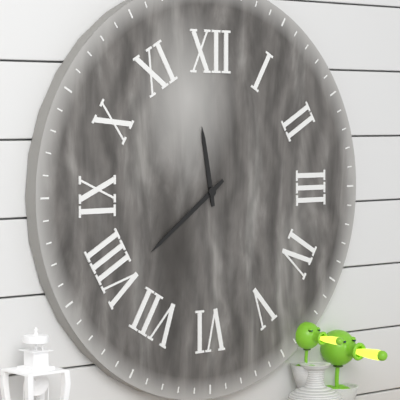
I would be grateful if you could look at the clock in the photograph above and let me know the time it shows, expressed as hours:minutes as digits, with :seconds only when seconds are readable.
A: 11:39
